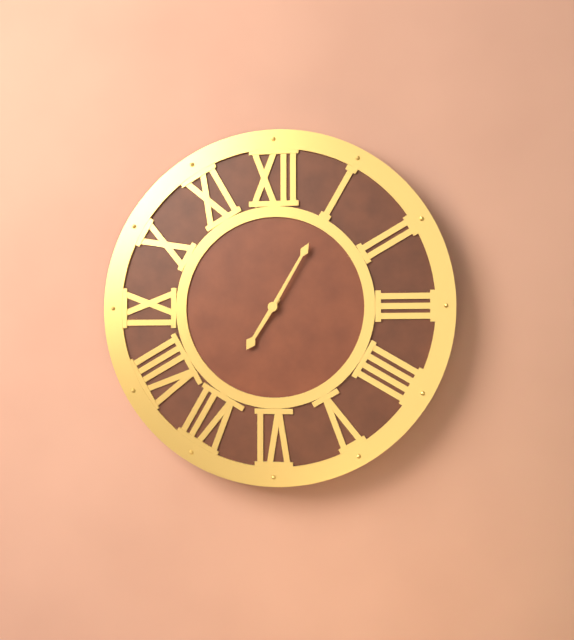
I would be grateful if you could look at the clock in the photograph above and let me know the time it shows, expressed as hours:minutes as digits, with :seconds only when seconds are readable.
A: 7:05
